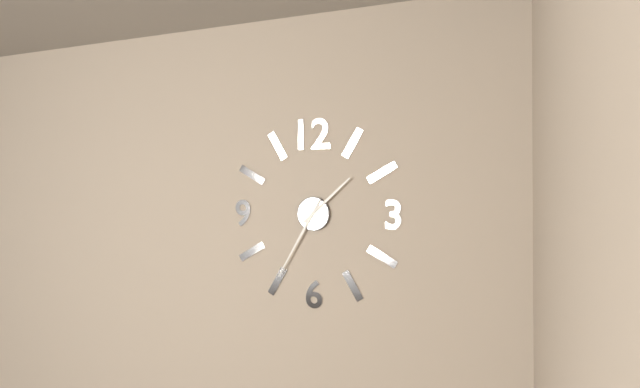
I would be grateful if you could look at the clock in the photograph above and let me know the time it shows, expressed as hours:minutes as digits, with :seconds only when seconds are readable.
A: 1:35
